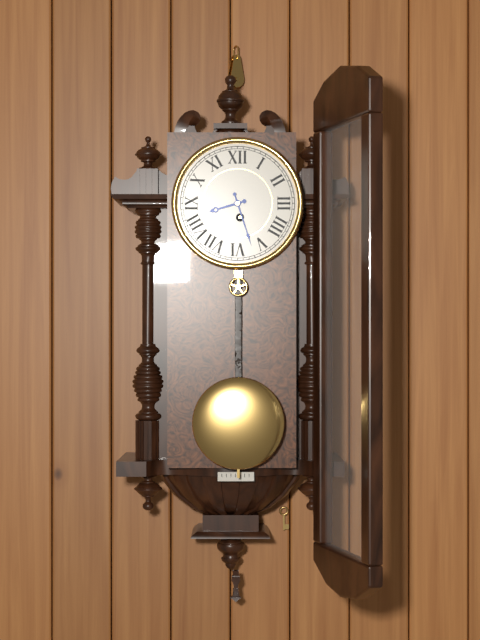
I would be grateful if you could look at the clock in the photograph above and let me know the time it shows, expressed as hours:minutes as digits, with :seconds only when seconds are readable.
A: 8:27
